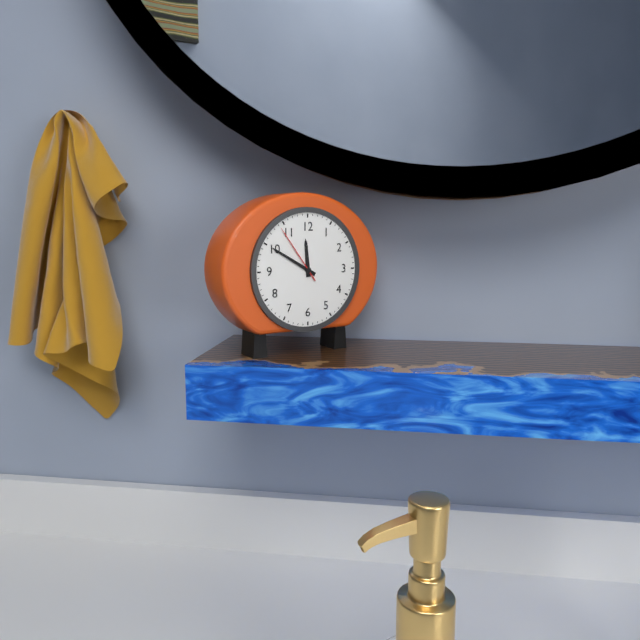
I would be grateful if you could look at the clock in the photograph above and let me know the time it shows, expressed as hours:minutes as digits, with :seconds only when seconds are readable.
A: 11:50:54
